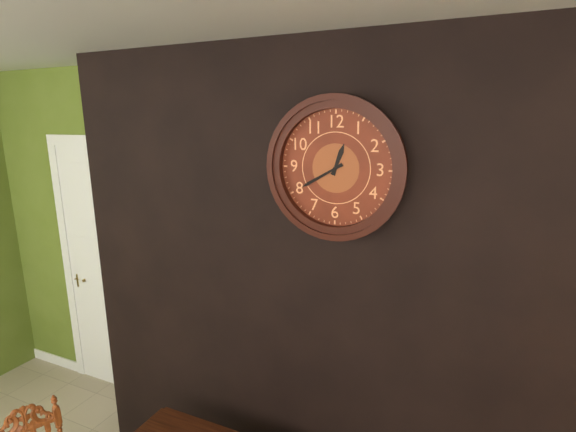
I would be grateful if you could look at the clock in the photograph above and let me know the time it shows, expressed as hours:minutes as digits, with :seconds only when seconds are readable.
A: 12:40
